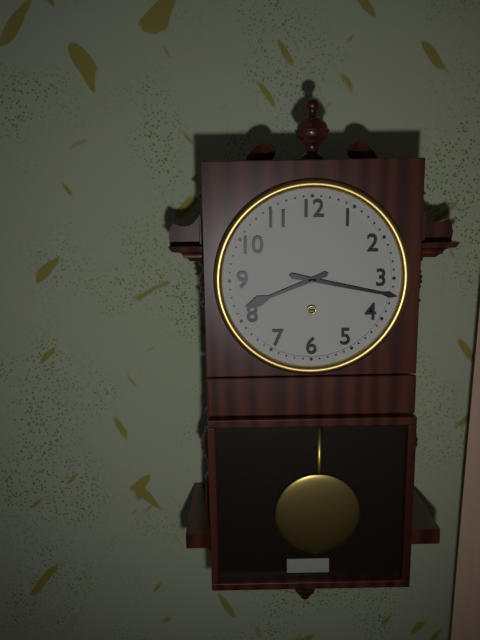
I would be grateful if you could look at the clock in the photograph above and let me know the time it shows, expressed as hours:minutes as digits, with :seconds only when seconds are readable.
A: 8:17
